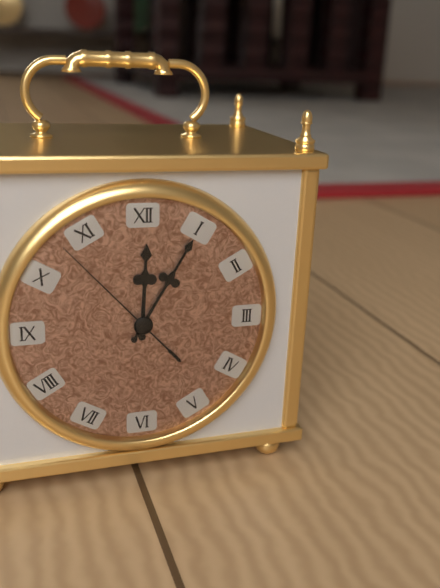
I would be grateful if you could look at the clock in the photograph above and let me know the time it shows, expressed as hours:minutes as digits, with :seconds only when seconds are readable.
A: 12:05:53
